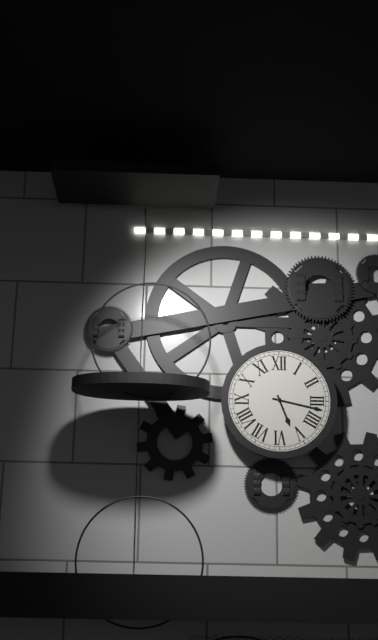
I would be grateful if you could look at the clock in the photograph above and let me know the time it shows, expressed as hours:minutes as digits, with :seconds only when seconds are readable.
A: 5:17
